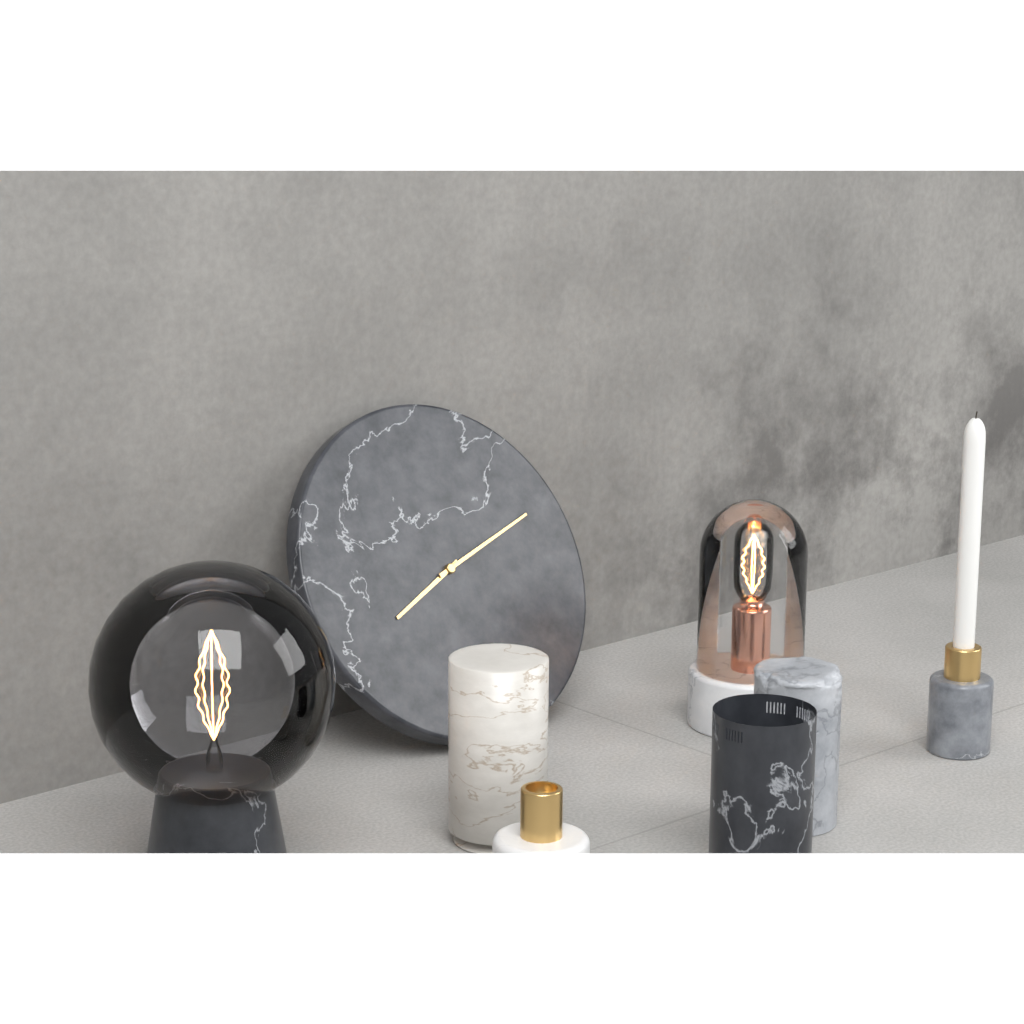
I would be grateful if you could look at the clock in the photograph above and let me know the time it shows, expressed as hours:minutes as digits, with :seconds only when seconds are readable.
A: 8:12
